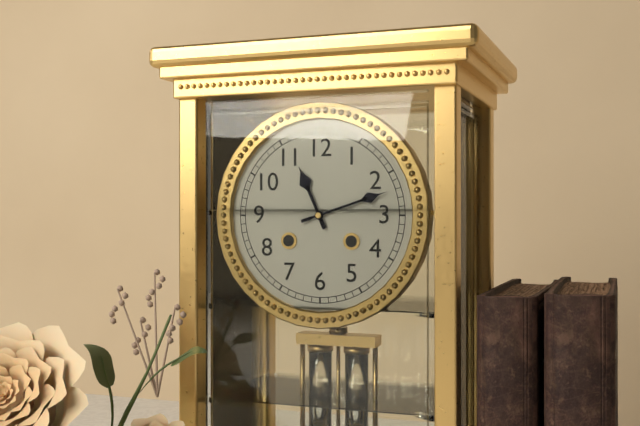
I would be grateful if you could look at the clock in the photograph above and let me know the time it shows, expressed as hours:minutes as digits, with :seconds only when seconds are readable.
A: 11:12
